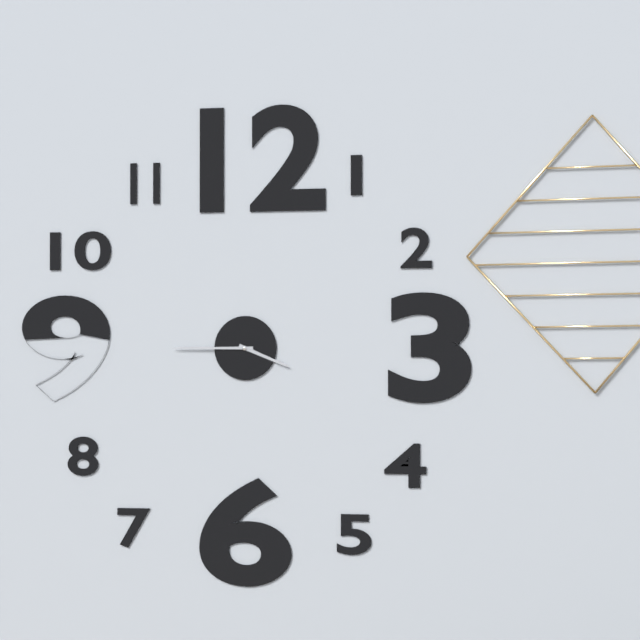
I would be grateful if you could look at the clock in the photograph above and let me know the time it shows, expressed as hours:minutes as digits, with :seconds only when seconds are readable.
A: 3:45
